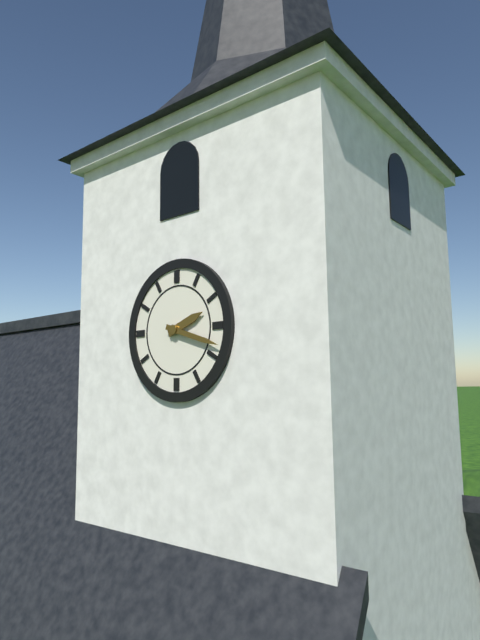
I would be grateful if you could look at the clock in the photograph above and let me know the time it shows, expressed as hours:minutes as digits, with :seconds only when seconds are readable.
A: 2:18
